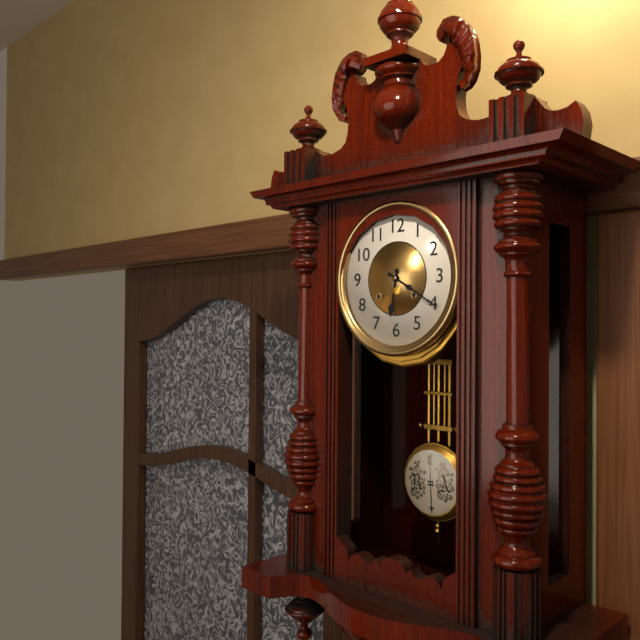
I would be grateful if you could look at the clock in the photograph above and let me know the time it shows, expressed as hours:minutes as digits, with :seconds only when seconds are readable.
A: 6:20
